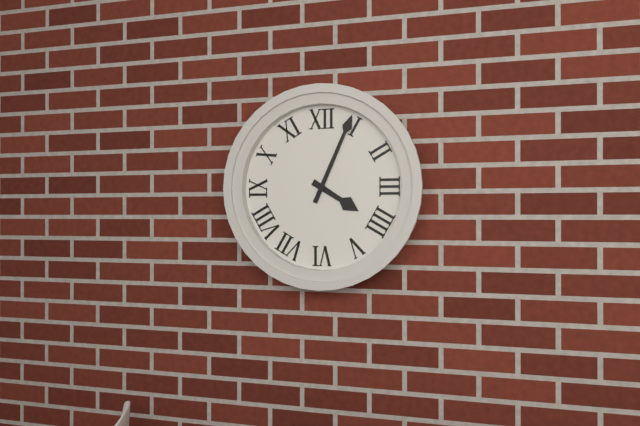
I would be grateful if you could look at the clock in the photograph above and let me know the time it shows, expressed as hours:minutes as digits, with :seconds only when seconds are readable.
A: 4:04
